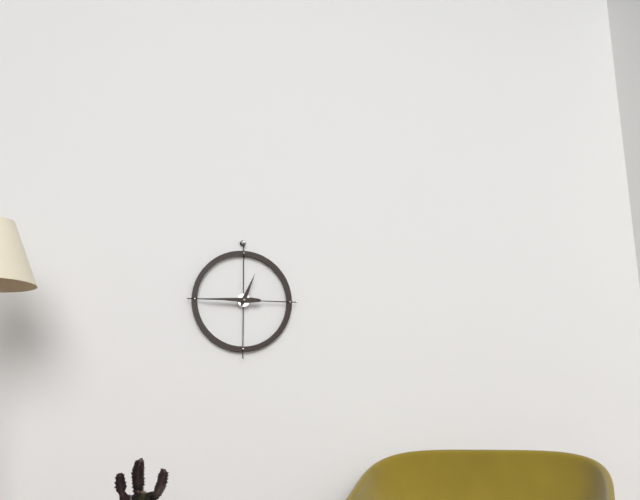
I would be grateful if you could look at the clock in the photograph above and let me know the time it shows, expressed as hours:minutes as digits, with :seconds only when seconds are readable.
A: 12:45
